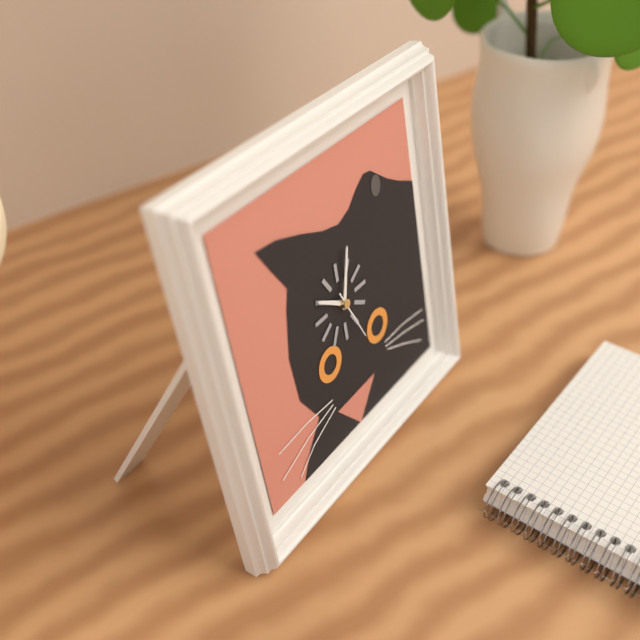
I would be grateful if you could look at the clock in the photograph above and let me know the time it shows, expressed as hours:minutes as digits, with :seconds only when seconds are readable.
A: 10:03:26
